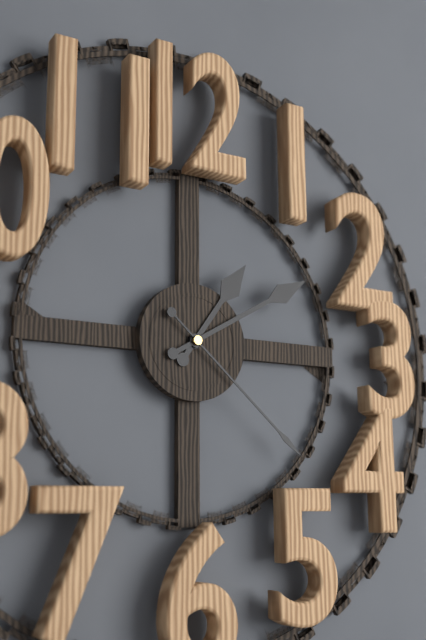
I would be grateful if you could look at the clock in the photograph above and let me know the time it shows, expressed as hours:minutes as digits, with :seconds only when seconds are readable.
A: 1:10:22
